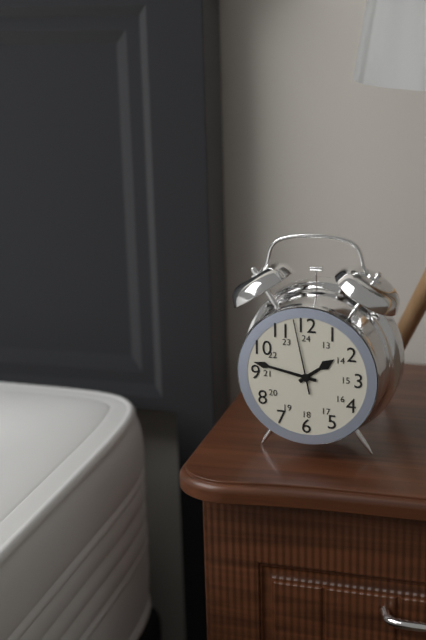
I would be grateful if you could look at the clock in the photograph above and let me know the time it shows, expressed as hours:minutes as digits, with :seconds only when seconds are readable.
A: 1:47:58
